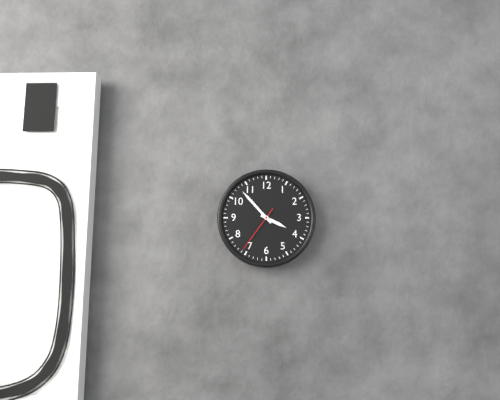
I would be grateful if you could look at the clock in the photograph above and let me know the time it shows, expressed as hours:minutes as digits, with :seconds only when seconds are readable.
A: 3:53
